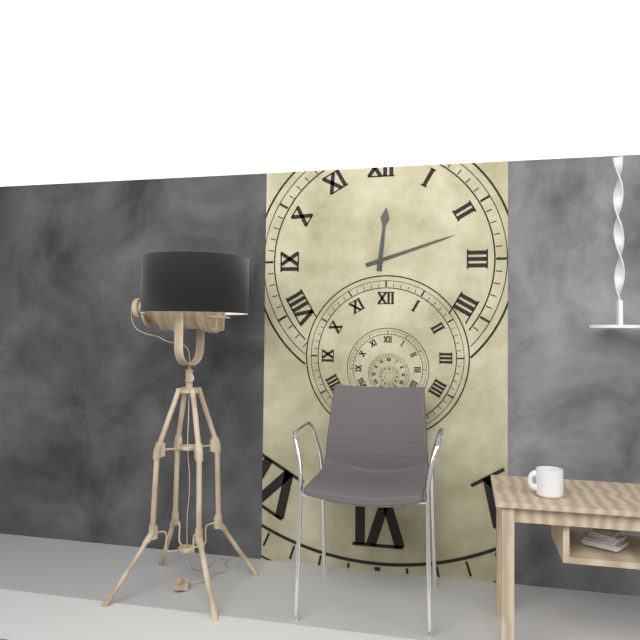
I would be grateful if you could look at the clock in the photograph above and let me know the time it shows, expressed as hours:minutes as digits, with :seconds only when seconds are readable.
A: 12:12
